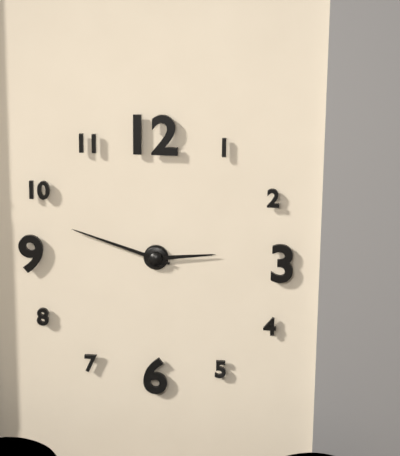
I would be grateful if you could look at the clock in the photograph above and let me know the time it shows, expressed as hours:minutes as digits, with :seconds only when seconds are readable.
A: 2:48
